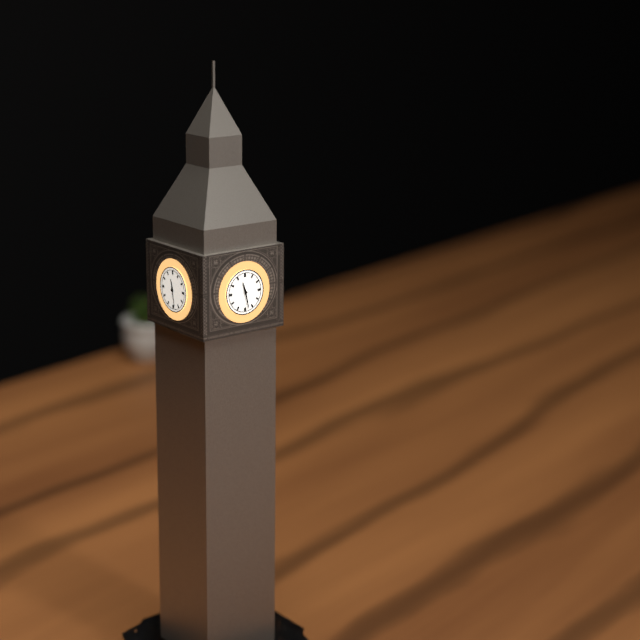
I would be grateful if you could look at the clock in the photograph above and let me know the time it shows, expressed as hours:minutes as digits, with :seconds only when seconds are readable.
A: 11:28
